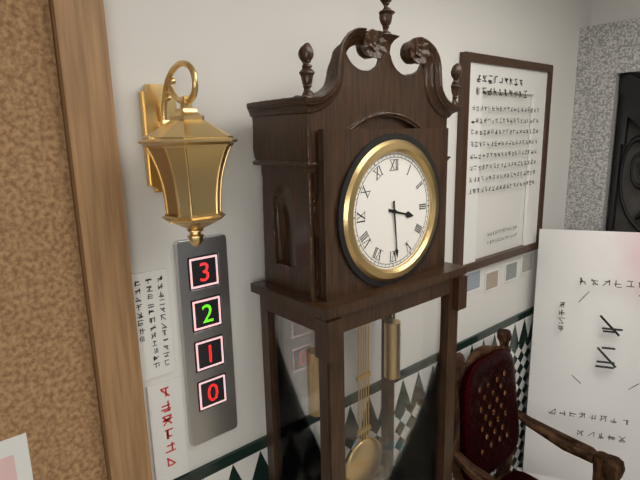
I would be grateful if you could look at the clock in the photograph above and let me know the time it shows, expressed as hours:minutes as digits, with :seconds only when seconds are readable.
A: 3:29
